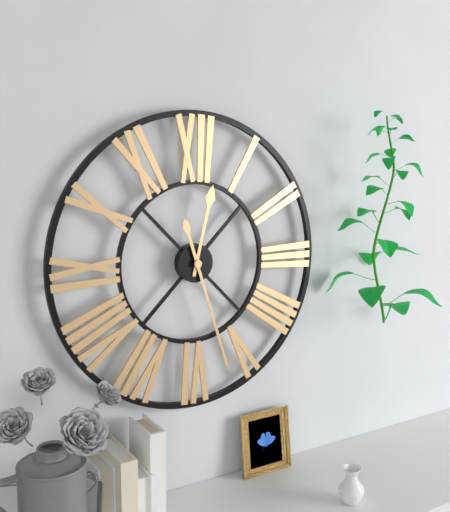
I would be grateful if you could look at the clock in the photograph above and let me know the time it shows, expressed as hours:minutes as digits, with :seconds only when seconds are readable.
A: 12:27
